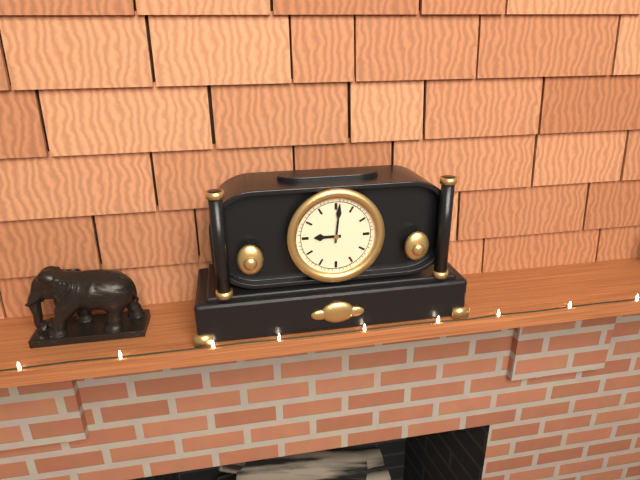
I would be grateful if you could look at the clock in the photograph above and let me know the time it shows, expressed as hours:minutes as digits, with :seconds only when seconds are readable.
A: 9:01
